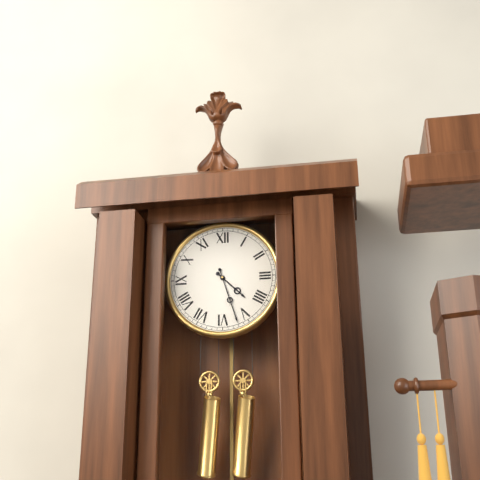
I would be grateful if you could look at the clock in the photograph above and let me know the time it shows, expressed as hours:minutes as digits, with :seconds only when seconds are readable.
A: 4:27
